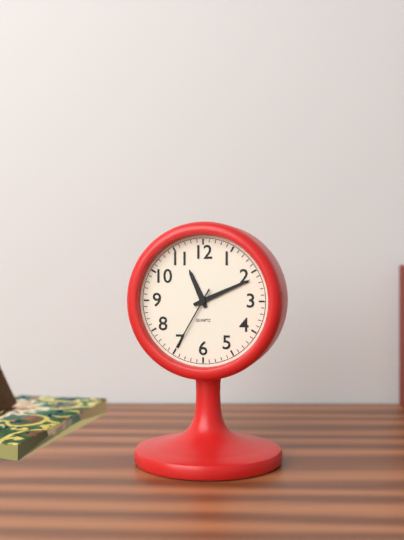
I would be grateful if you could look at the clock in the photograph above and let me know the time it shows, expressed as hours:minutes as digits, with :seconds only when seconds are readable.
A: 11:11:35
